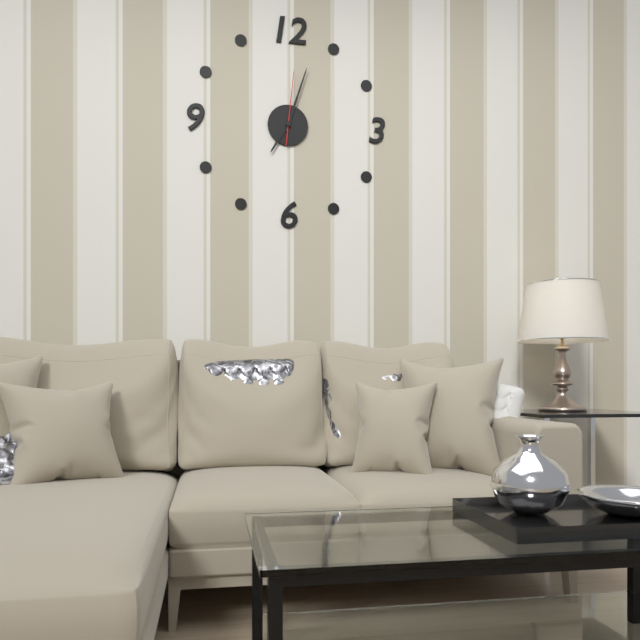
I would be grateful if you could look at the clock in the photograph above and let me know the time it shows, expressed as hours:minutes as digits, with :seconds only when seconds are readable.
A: 7:03:01
